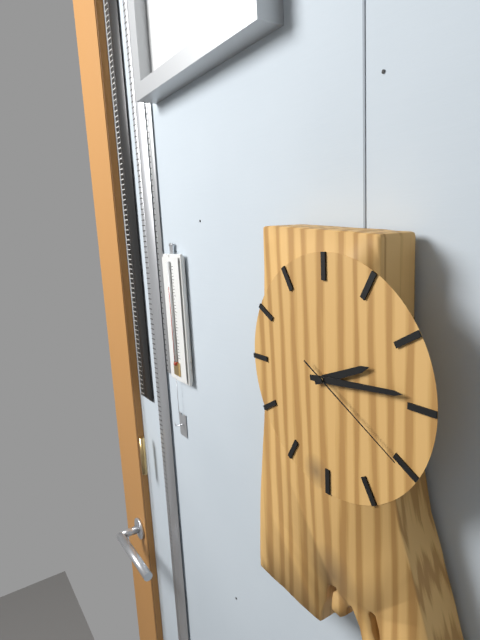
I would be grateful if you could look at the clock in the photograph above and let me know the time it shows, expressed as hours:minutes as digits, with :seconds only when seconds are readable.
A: 2:14:20
